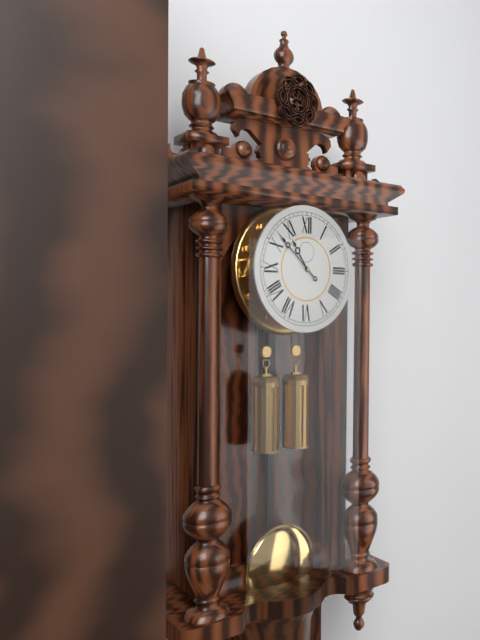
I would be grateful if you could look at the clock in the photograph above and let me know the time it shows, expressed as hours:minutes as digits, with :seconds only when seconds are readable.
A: 10:52
